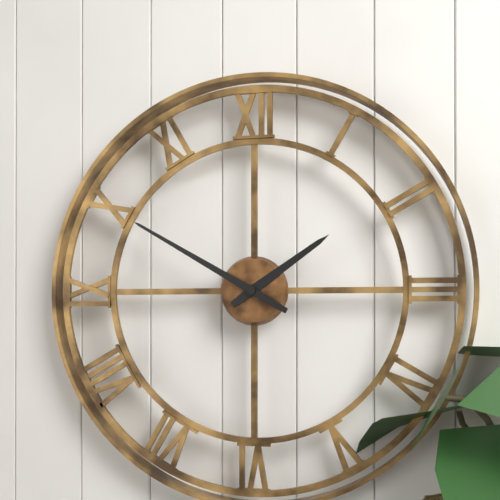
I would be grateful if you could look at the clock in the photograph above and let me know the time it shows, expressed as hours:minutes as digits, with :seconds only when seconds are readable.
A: 1:50
